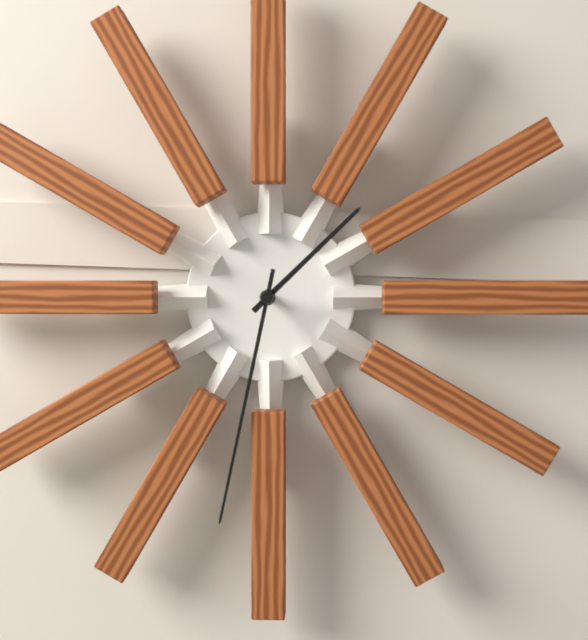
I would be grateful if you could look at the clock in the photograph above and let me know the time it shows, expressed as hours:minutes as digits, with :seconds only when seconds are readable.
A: 1:32
